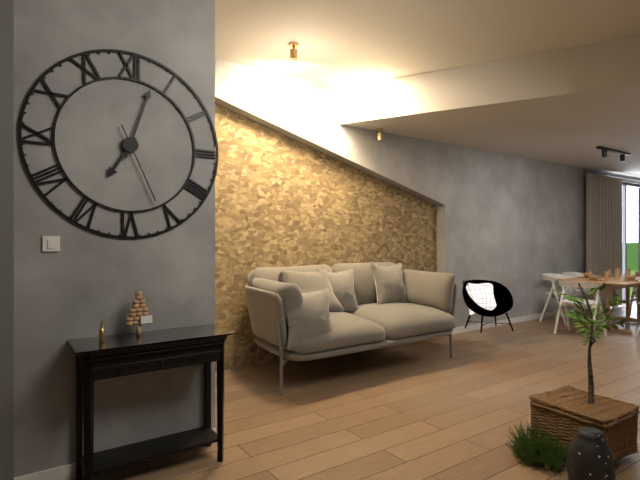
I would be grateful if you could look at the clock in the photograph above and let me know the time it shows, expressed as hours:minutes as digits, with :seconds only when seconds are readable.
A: 7:03:26
